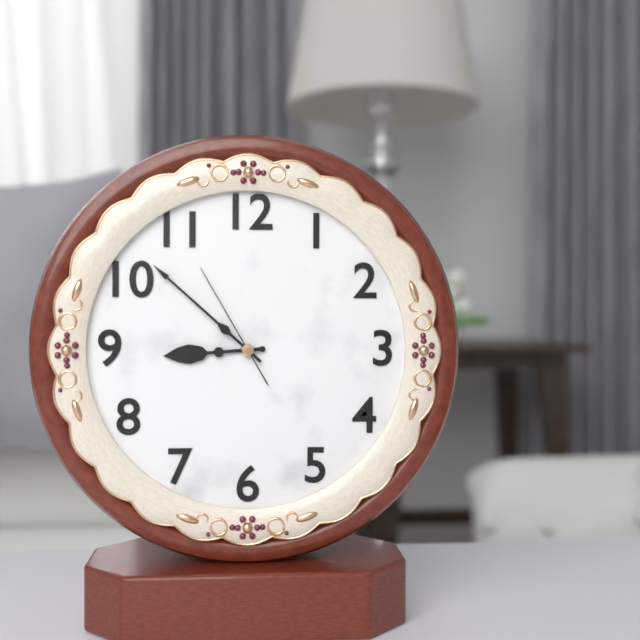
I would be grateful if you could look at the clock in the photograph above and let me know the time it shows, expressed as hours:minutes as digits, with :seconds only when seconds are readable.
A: 8:52:55
